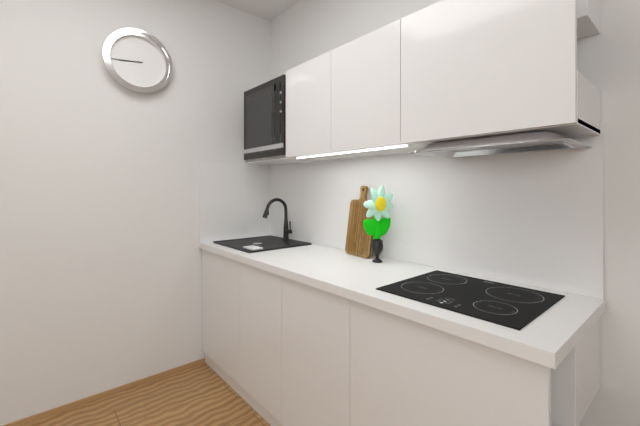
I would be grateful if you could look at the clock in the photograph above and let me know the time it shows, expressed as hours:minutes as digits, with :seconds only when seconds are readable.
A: 8:44
